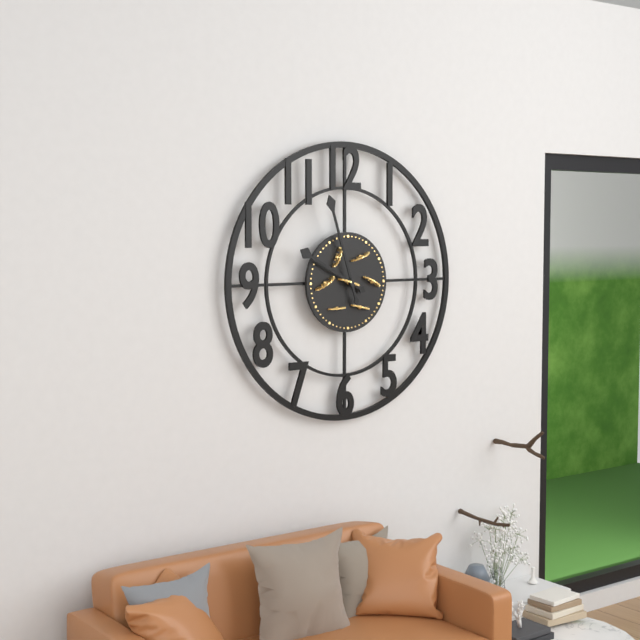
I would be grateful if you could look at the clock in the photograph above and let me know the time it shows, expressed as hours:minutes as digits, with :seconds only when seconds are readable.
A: 9:57
